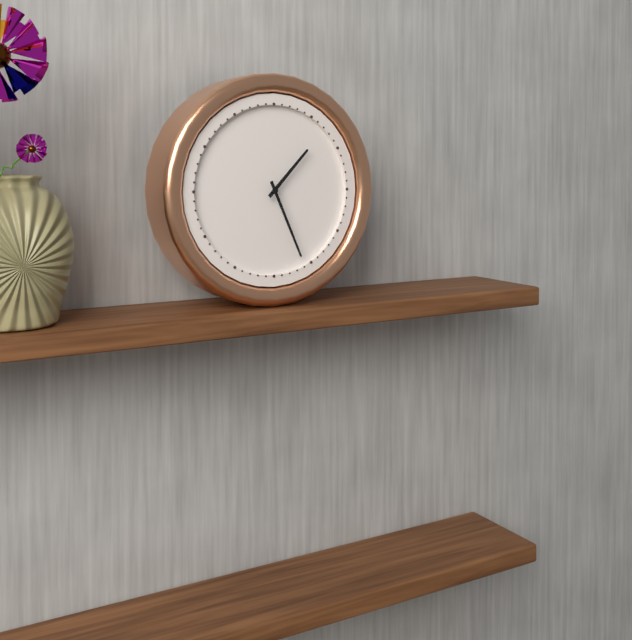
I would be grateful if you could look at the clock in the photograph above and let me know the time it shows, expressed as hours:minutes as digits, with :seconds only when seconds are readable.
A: 1:26
